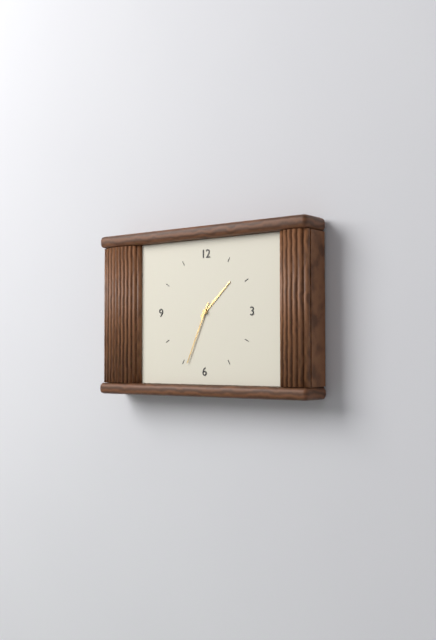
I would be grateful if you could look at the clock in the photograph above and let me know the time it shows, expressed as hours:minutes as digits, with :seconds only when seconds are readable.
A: 1:34
